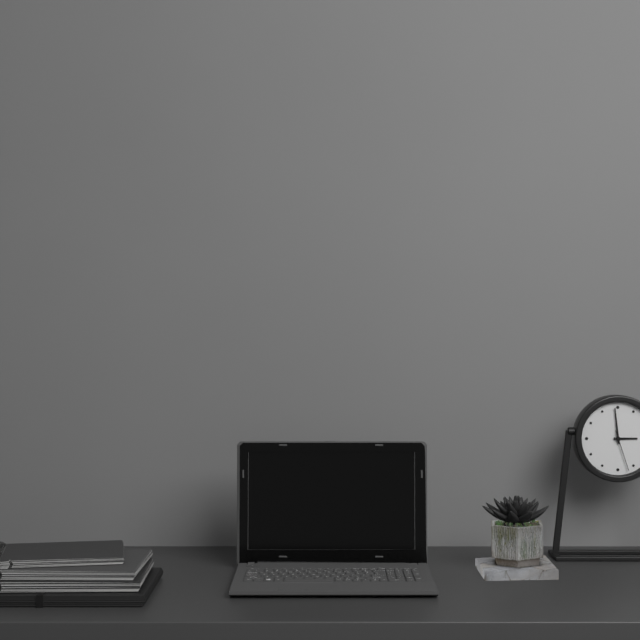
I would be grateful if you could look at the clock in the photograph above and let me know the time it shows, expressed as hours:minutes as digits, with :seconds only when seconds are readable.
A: 2:59
